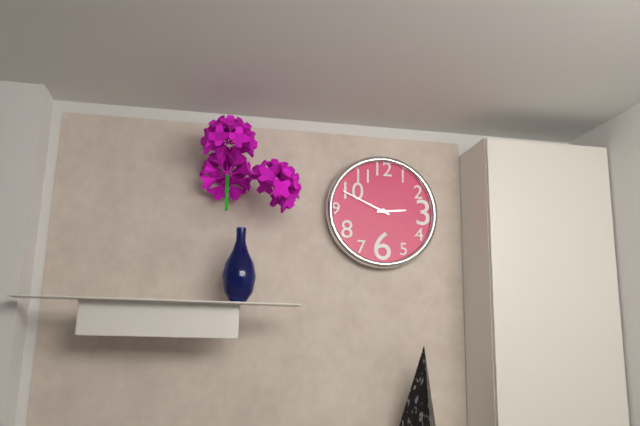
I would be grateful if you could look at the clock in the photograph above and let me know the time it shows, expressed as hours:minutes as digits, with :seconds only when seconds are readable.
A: 2:49
